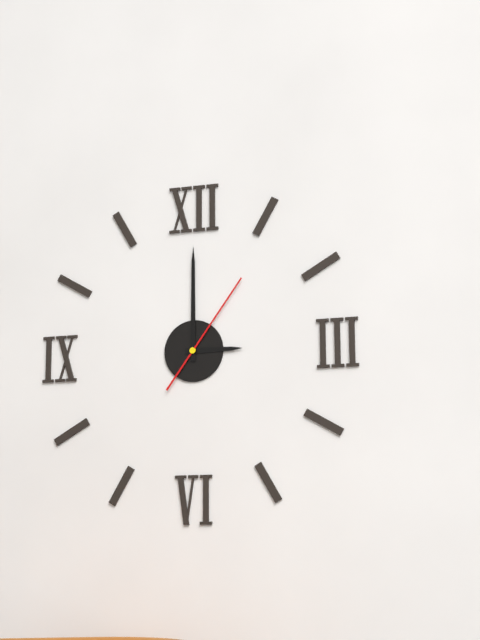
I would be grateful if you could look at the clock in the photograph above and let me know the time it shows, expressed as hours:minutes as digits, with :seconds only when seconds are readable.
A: 3:00:06
